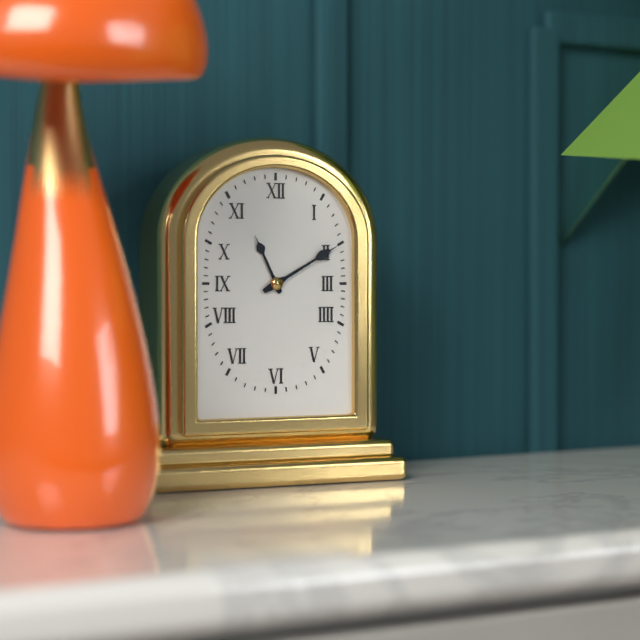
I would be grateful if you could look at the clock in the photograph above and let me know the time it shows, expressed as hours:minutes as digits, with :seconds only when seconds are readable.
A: 11:10
